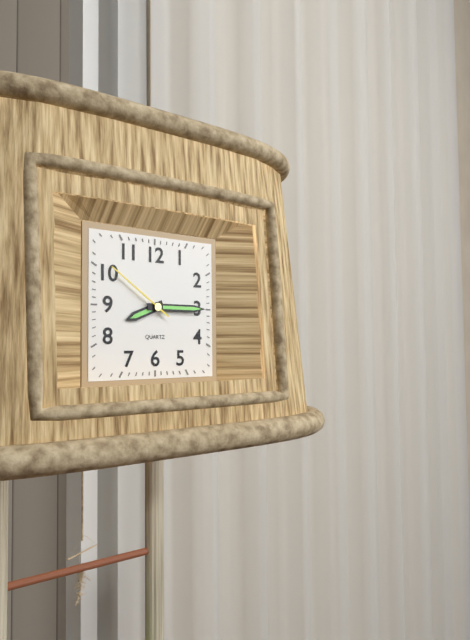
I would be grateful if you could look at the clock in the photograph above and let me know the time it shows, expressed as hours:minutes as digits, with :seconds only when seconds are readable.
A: 8:15:51
